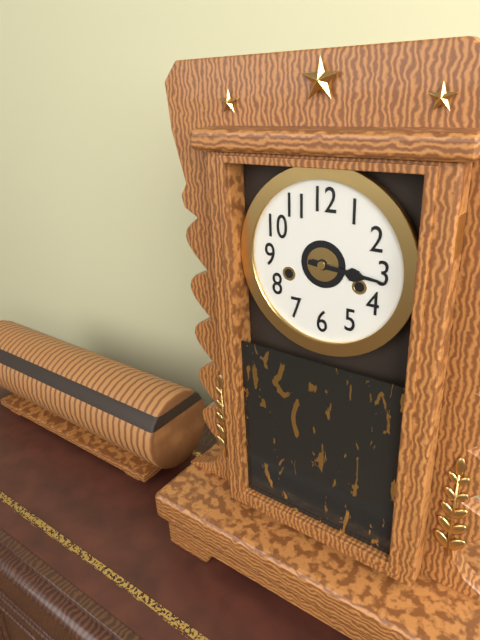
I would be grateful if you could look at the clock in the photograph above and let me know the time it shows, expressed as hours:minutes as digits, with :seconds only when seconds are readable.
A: 3:16
